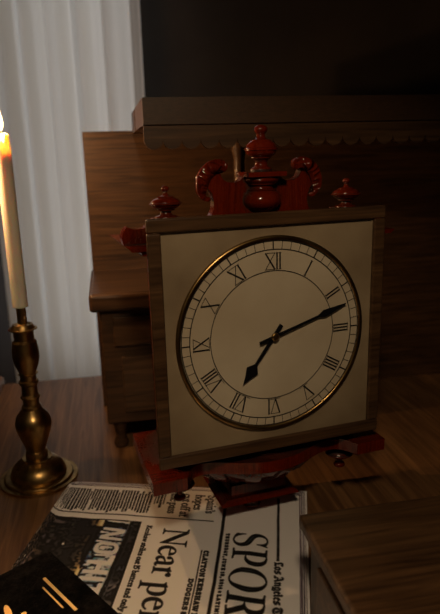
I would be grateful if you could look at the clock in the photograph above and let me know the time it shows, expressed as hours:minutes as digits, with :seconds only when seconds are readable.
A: 7:12
